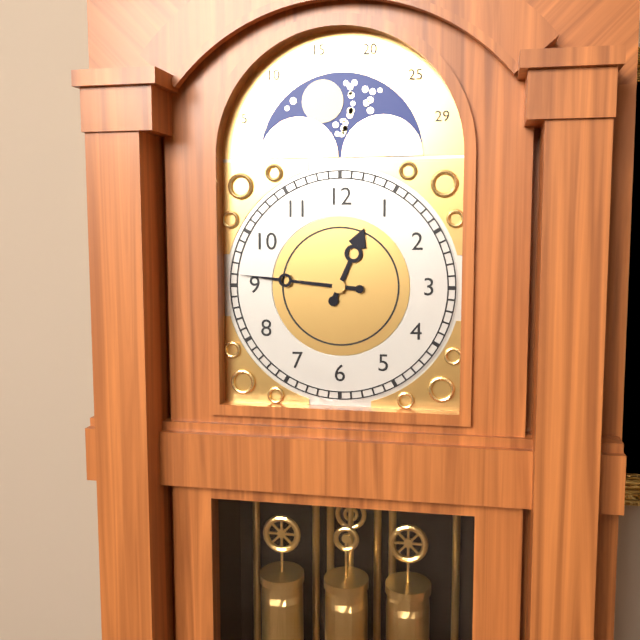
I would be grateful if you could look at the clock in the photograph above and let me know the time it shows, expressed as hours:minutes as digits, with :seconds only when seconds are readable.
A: 12:46
